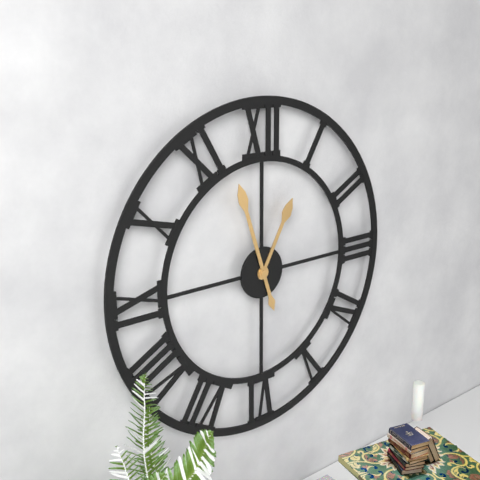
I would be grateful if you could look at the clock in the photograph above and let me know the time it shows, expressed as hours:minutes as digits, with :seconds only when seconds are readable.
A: 12:57
